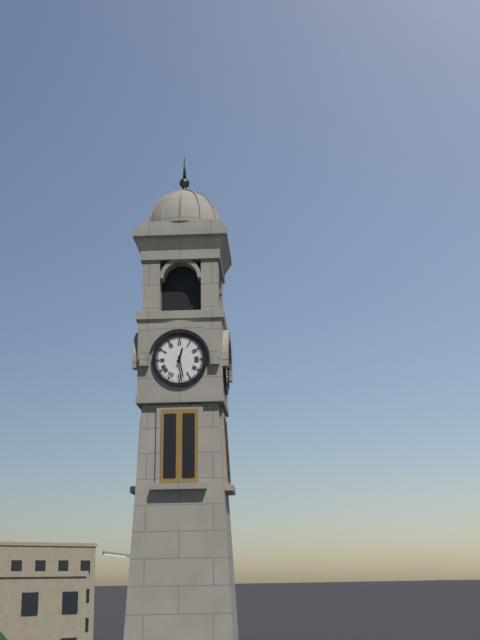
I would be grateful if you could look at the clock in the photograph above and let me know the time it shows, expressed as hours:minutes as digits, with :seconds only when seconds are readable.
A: 12:28
